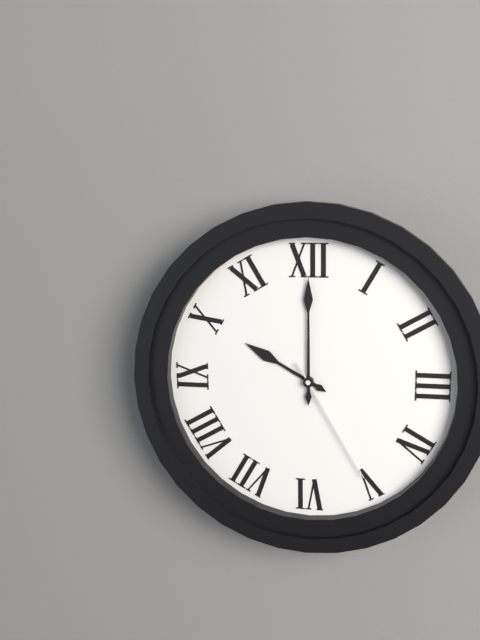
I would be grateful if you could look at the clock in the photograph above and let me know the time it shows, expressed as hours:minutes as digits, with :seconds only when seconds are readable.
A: 10:00:25
